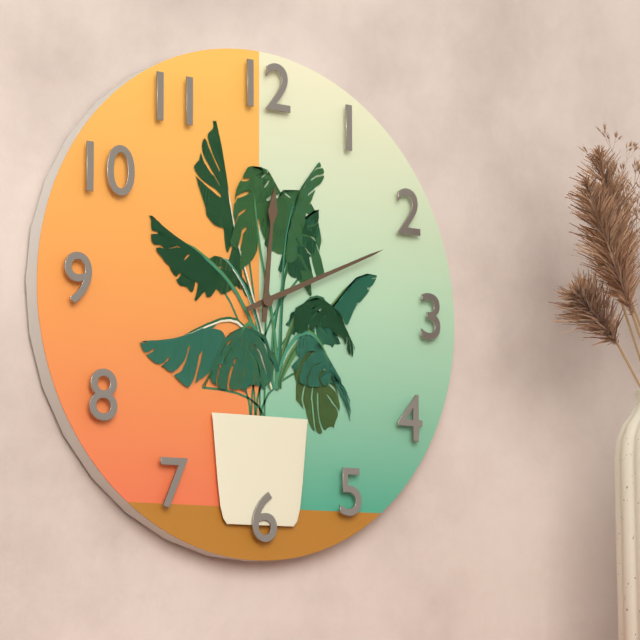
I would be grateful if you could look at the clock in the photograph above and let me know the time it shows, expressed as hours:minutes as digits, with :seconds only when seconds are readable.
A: 12:11
